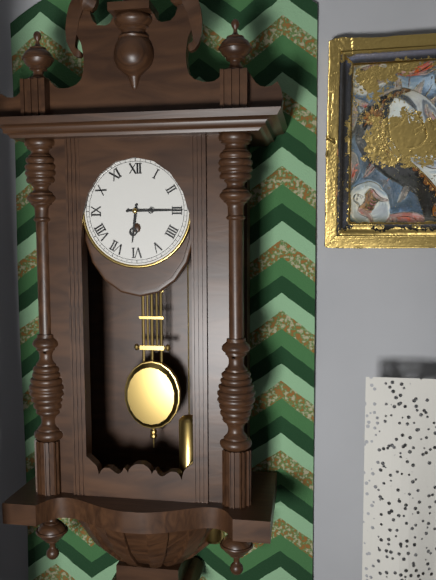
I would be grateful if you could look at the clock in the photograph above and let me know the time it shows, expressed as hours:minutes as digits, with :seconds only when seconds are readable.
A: 6:15
